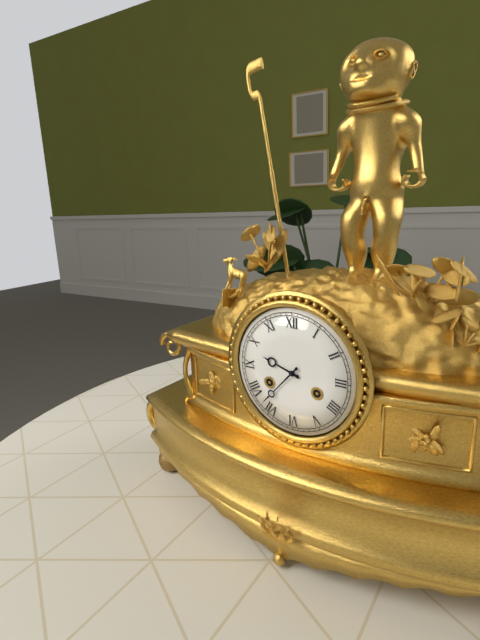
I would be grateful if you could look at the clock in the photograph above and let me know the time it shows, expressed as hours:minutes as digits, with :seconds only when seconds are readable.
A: 9:37
